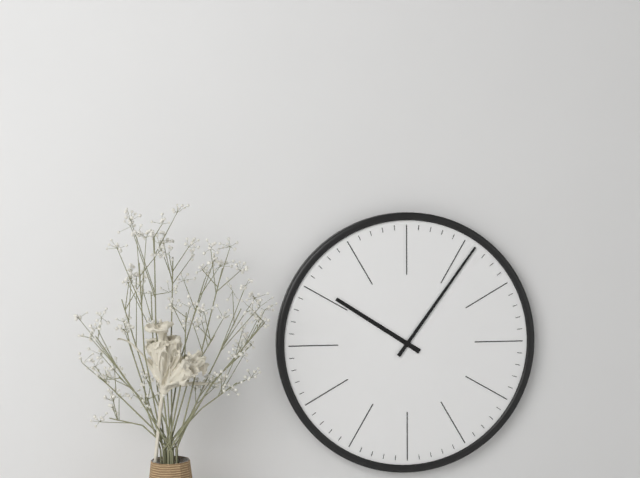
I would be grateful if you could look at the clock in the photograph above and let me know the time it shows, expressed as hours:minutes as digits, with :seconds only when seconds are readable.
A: 10:06
